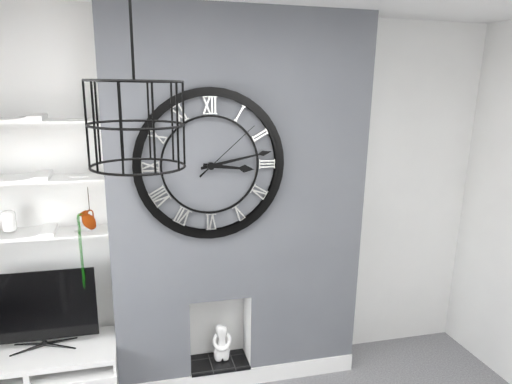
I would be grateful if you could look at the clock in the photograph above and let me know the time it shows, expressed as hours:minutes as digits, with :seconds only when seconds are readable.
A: 3:13:08
